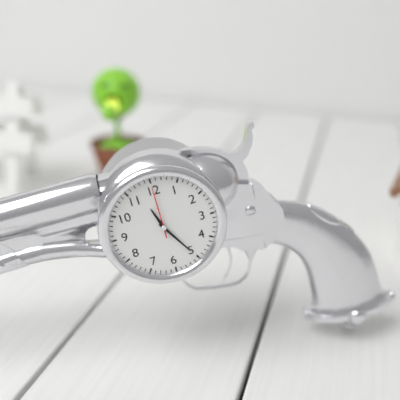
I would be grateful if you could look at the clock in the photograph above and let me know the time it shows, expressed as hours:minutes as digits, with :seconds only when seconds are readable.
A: 11:25:00
